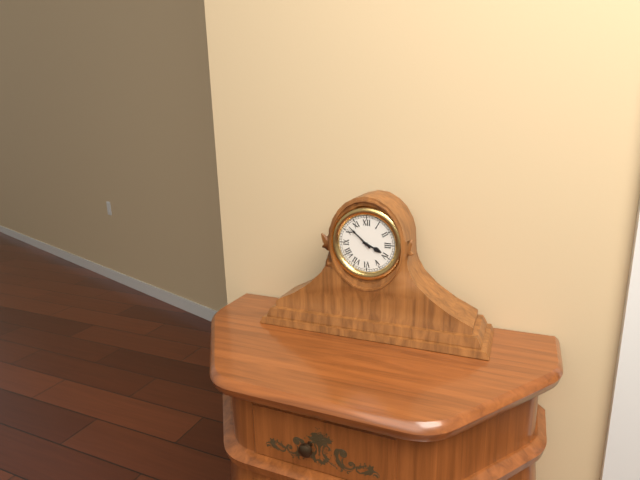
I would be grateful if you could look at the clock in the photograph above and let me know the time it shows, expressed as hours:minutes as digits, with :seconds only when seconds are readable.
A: 3:52
